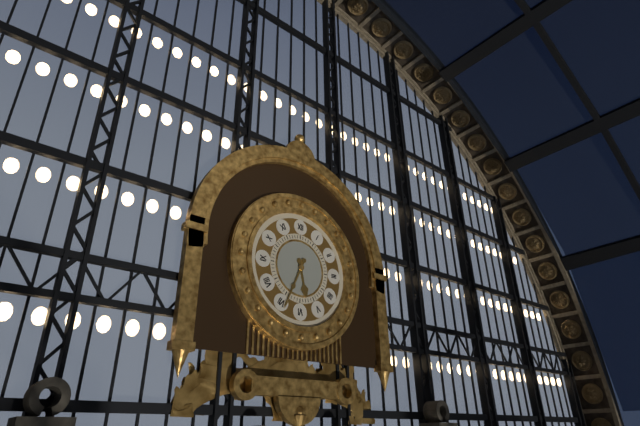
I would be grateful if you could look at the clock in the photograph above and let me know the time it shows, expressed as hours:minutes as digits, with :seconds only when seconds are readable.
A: 5:34
